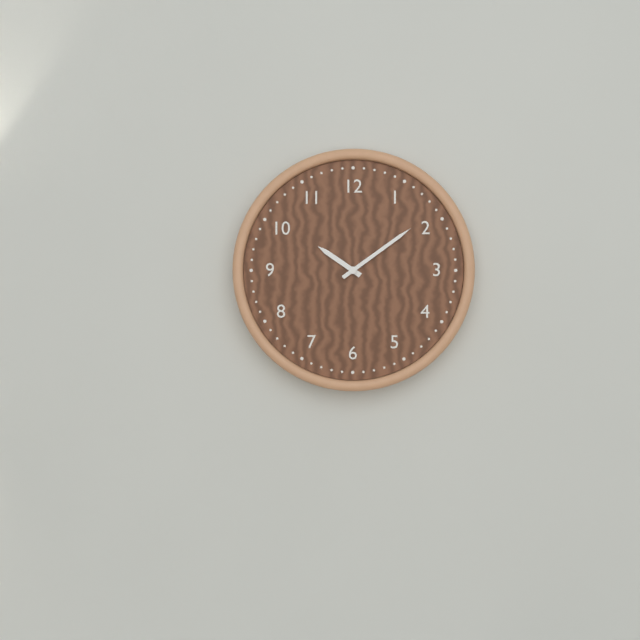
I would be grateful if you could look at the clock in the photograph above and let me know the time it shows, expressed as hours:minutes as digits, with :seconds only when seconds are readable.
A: 10:09
